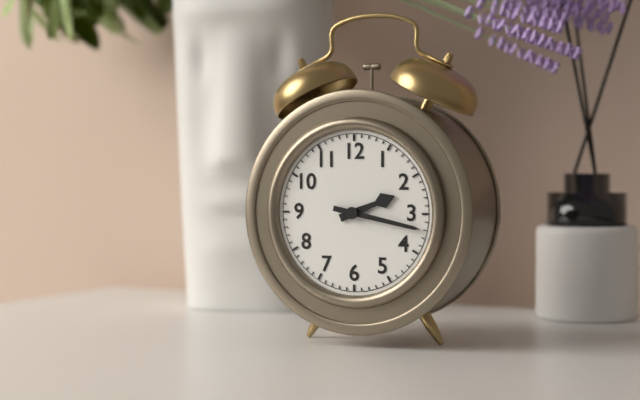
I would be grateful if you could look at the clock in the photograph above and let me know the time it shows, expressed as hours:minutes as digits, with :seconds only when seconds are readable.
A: 2:17
